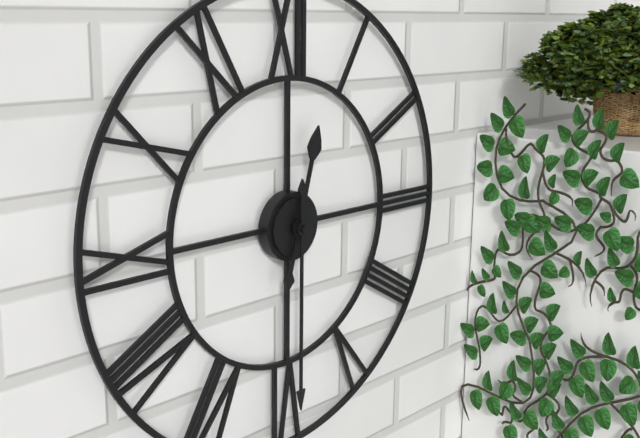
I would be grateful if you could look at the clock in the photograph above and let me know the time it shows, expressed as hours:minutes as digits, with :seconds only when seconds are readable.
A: 12:30
